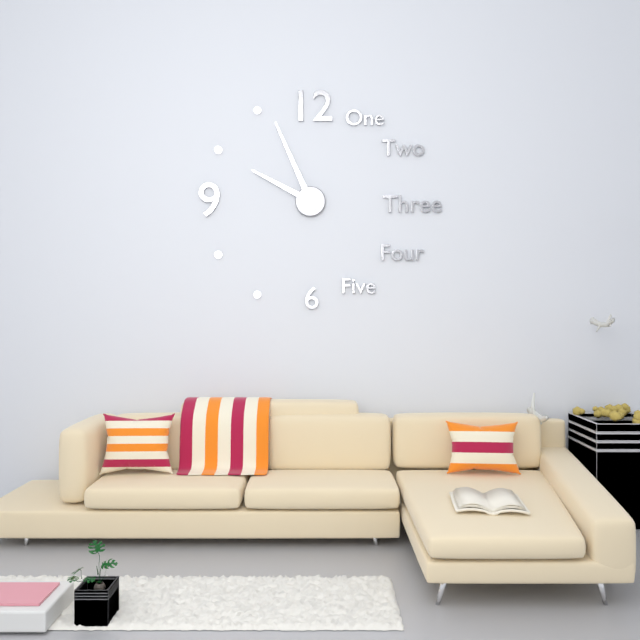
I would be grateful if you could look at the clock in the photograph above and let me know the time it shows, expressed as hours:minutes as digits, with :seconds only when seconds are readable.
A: 9:56
